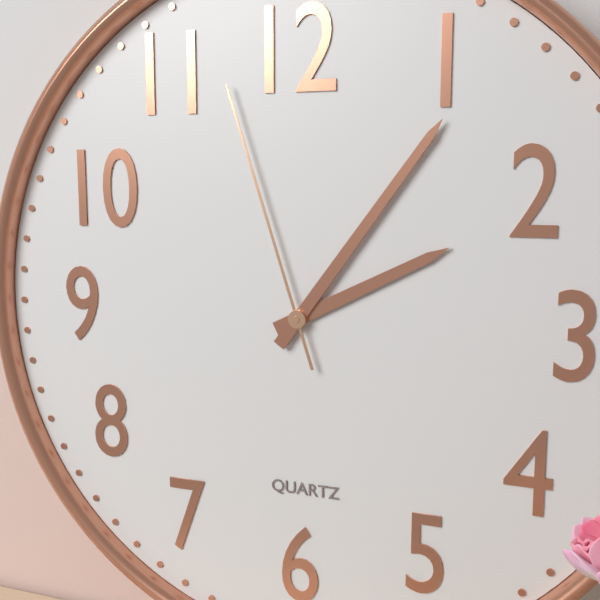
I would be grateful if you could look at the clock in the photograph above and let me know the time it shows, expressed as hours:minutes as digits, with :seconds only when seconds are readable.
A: 2:06:57
